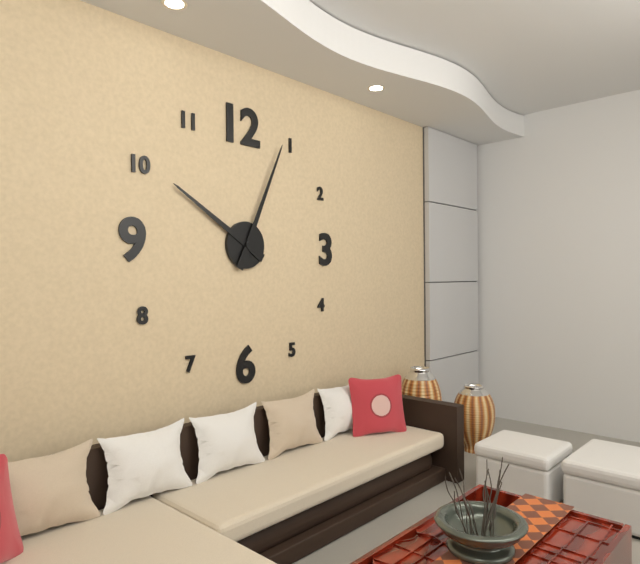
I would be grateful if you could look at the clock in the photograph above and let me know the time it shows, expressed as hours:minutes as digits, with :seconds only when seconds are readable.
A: 10:04
